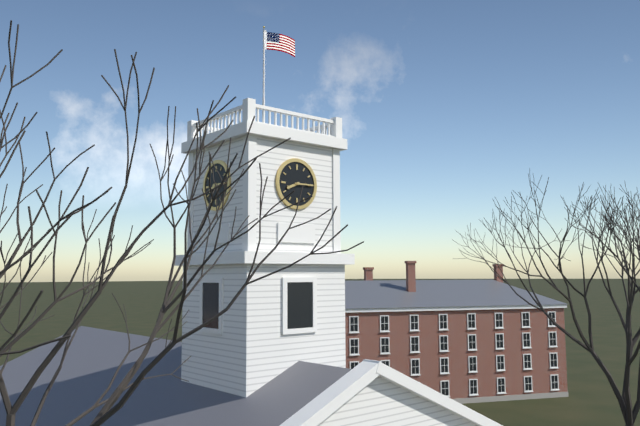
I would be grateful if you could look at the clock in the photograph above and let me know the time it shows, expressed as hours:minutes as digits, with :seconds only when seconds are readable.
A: 8:15
